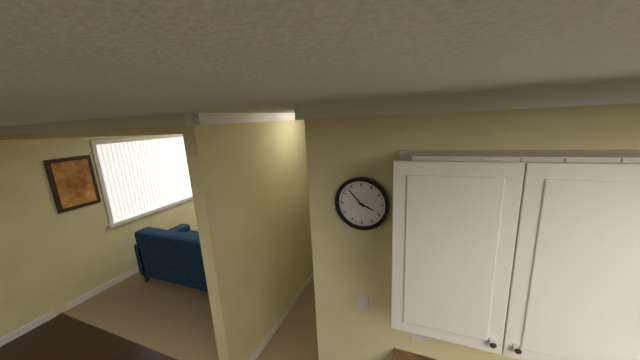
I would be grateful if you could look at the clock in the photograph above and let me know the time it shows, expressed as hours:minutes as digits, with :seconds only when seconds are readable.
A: 3:53
